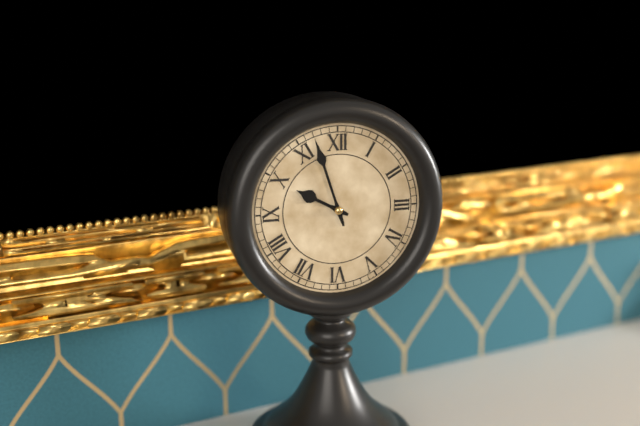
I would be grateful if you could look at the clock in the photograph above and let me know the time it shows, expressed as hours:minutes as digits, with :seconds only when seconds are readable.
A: 9:57
